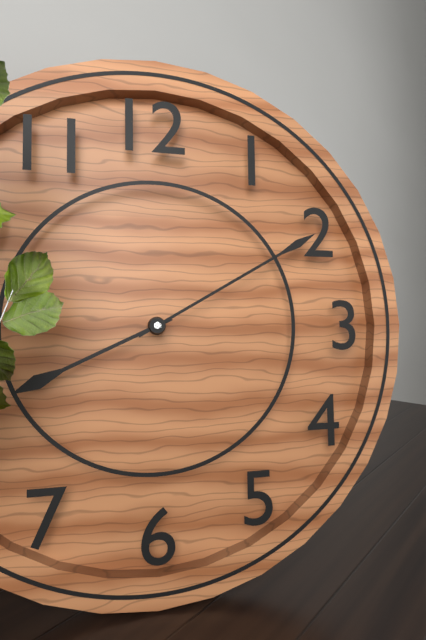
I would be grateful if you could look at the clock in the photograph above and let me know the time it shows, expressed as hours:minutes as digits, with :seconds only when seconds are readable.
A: 8:10
